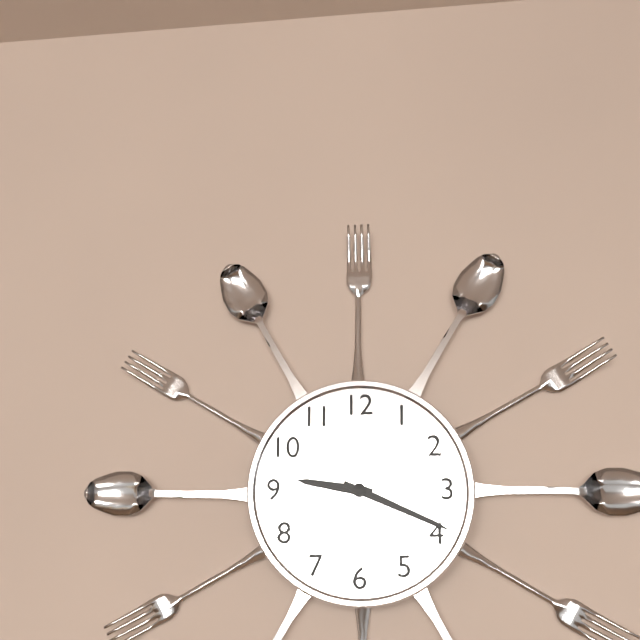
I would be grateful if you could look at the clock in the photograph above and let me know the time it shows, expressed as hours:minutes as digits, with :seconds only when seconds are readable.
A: 9:19
